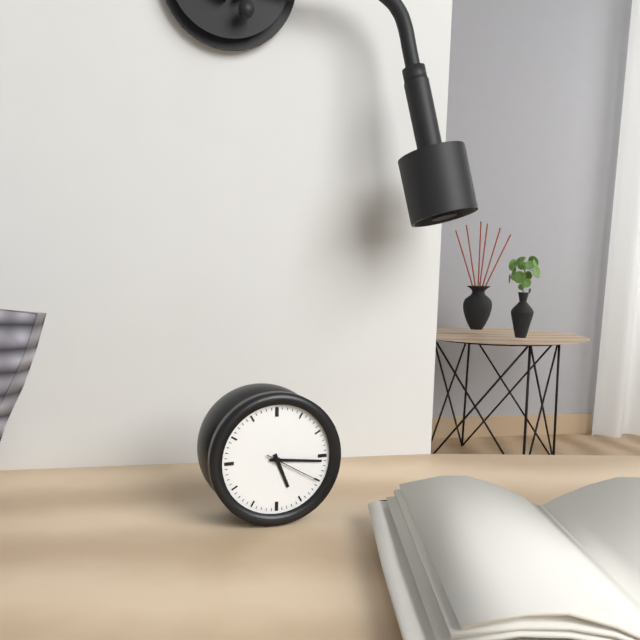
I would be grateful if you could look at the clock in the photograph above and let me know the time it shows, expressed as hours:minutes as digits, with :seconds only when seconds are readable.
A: 5:16:20
